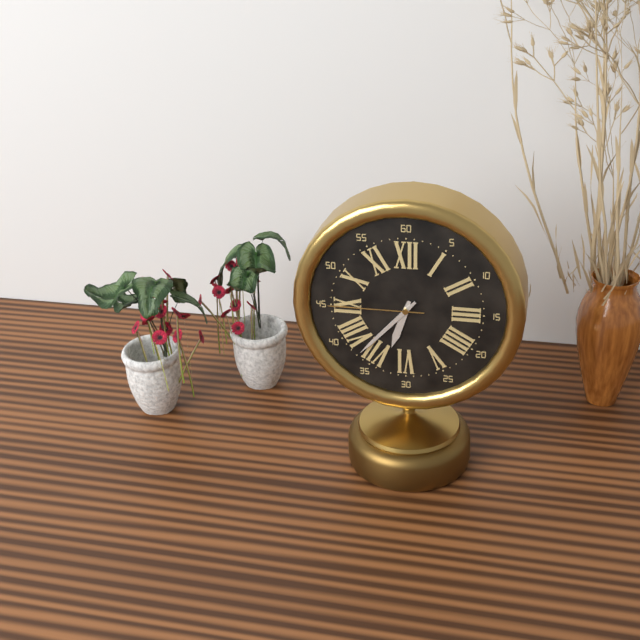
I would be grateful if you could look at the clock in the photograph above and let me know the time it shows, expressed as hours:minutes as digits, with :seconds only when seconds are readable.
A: 6:37:45
